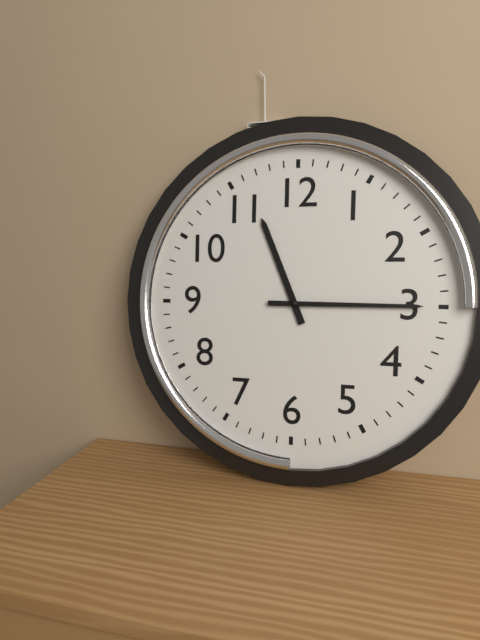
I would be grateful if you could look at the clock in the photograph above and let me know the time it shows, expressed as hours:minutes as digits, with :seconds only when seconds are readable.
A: 11:15
